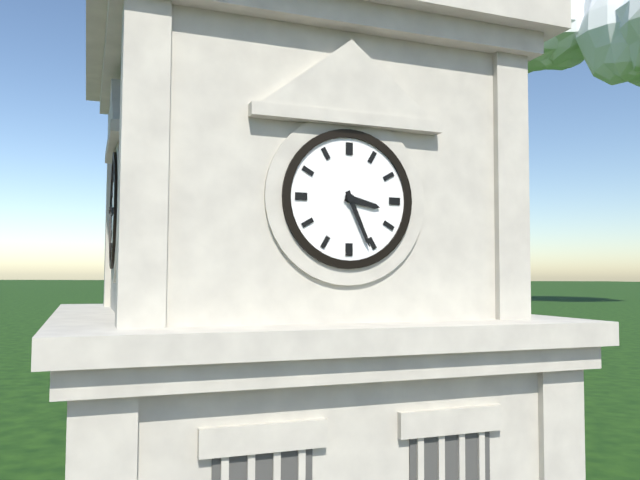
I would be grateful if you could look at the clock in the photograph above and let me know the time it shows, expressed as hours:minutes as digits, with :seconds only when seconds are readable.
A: 3:26
